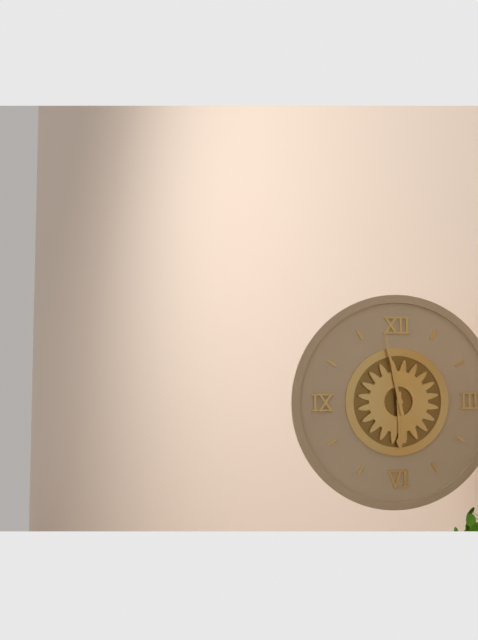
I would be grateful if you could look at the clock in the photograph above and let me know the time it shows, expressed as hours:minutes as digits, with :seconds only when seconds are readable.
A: 5:58
